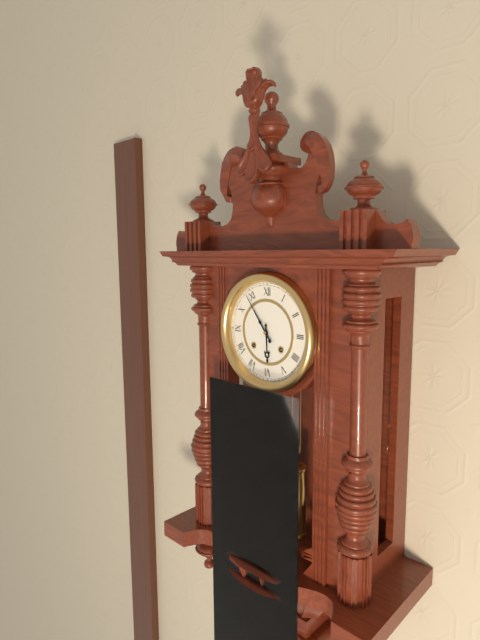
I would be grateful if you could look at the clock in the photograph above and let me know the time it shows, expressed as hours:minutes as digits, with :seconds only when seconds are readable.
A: 5:54
